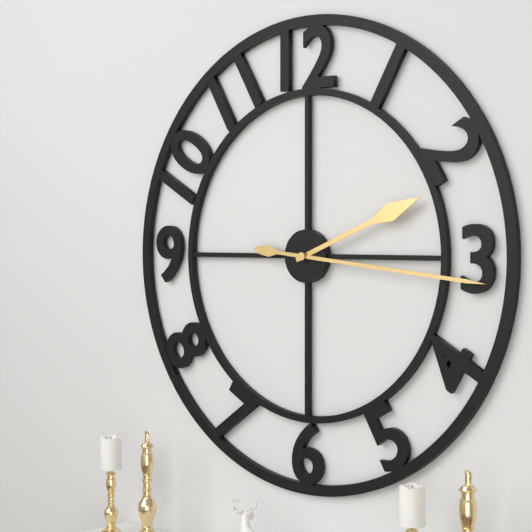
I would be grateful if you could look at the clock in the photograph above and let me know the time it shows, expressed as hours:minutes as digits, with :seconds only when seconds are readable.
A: 2:16
